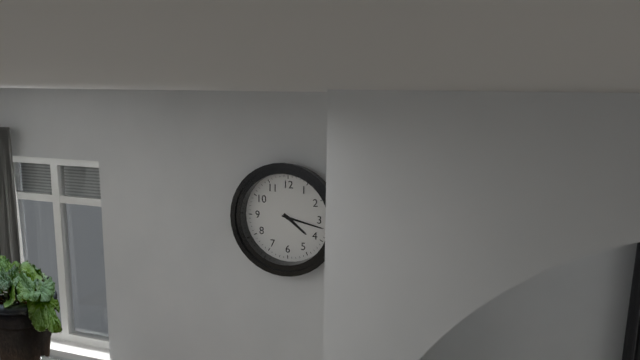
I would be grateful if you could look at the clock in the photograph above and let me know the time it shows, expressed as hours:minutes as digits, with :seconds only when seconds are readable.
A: 4:17
